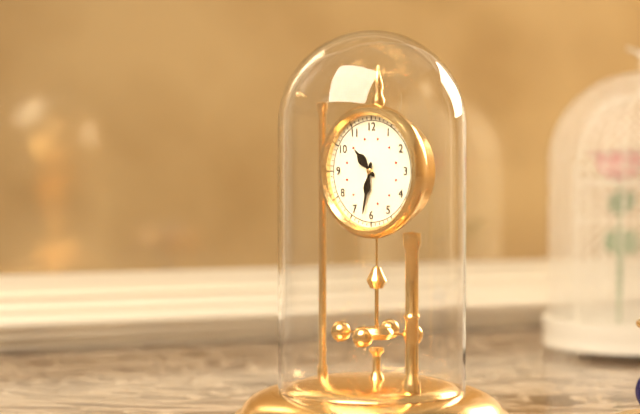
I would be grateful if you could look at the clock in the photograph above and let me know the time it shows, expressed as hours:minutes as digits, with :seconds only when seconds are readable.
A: 10:32
